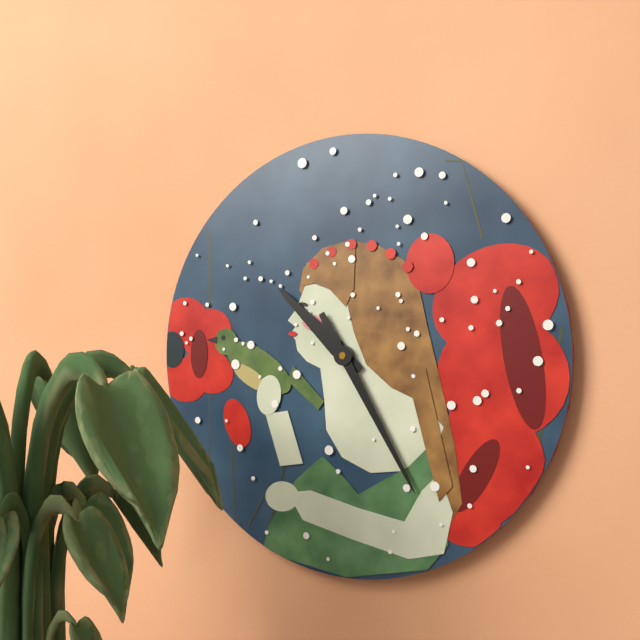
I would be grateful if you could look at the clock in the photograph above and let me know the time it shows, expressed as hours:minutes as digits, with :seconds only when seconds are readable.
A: 10:25
